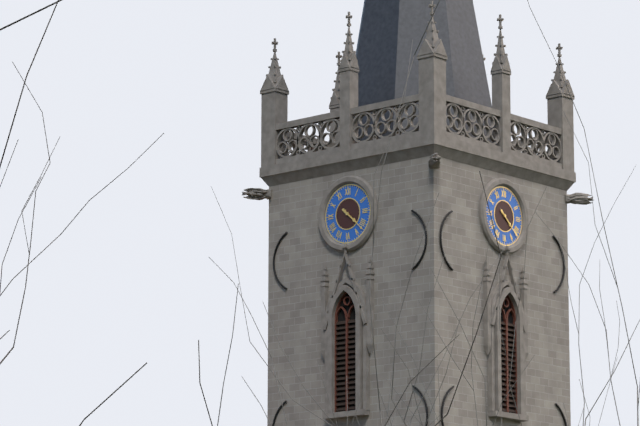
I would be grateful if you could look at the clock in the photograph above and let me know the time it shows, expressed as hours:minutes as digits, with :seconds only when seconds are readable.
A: 4:22
